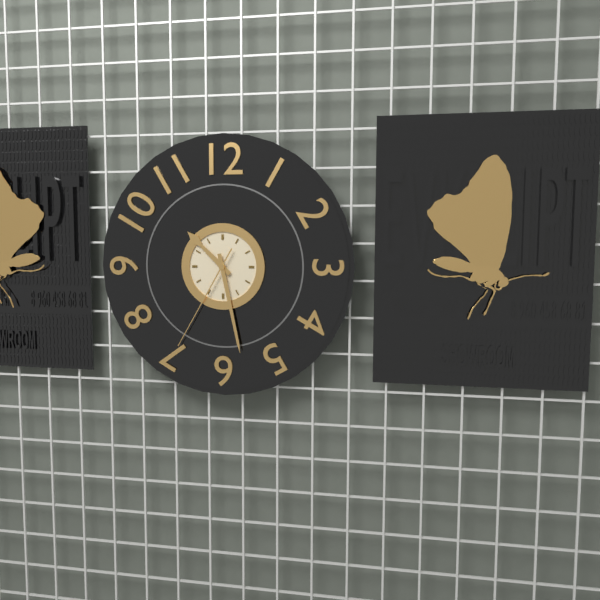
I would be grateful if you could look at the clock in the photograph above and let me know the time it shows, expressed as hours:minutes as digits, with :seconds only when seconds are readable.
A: 10:28:35
